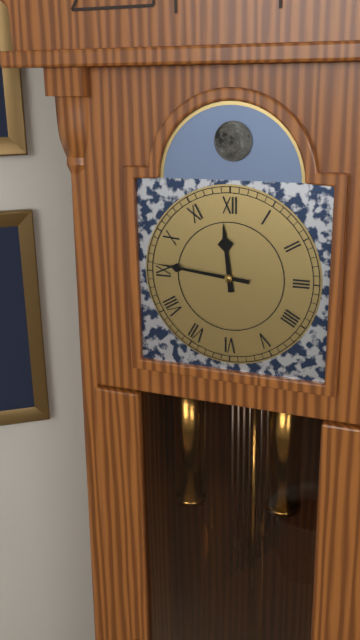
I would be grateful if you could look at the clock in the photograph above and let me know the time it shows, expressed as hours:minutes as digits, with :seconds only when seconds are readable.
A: 11:46
